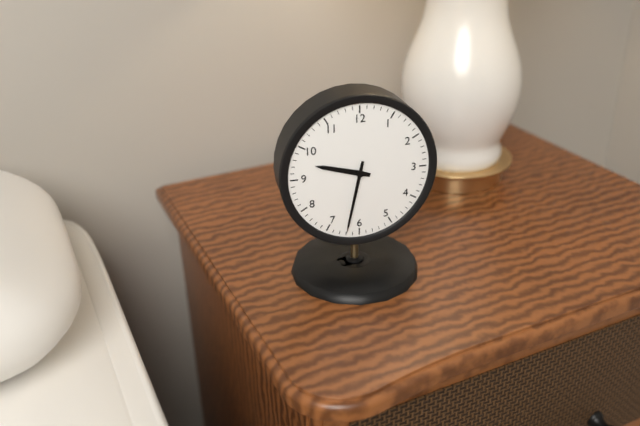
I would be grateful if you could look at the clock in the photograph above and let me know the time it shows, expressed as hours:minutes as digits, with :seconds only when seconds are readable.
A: 9:32
